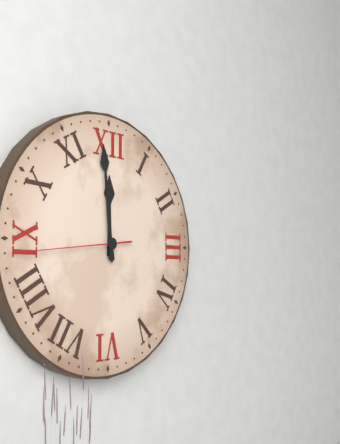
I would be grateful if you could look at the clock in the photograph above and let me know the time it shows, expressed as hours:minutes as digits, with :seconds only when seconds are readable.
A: 11:59:44
